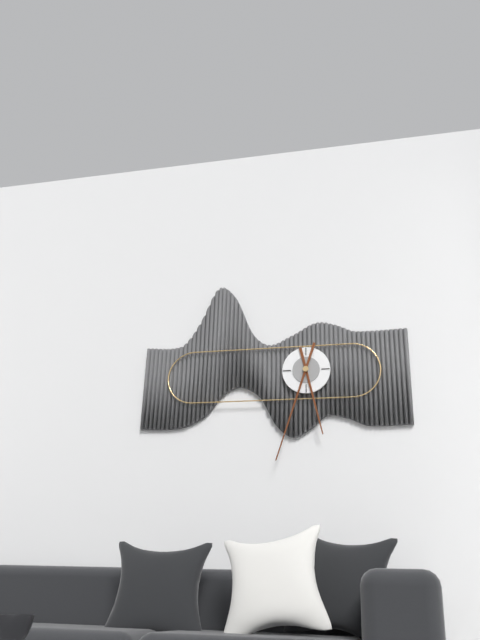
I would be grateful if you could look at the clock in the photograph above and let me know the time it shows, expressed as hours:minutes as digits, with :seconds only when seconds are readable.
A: 5:33
